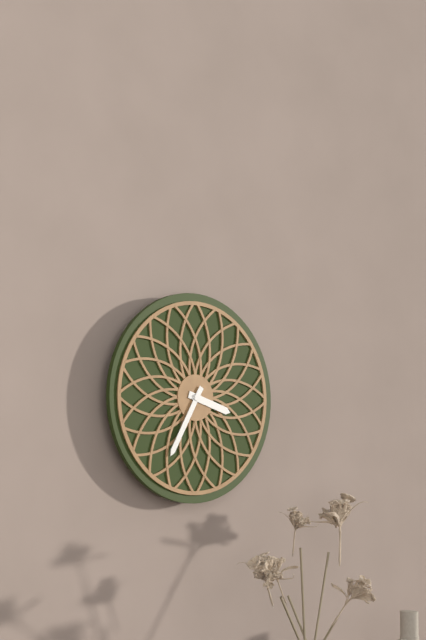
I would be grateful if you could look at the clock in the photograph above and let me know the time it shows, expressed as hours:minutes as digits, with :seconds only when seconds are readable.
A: 3:35
